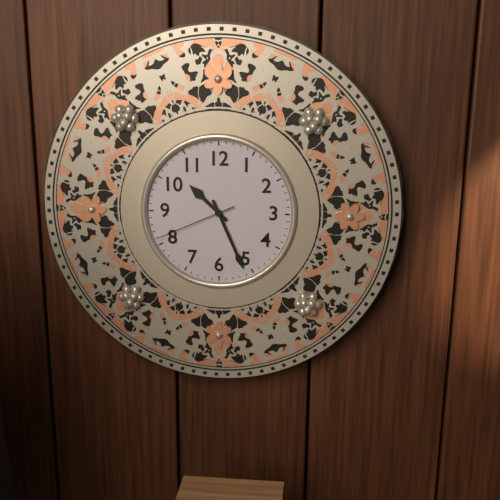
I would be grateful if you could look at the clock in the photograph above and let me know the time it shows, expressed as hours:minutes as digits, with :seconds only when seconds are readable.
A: 10:26:41
